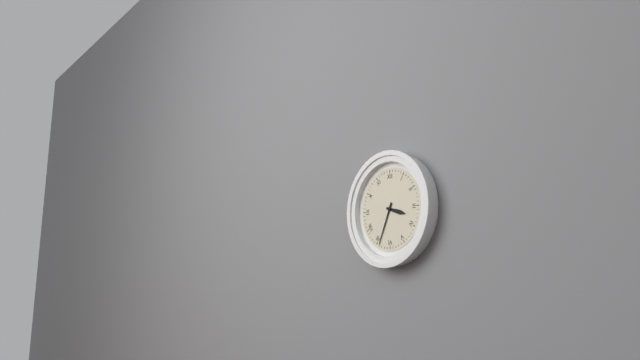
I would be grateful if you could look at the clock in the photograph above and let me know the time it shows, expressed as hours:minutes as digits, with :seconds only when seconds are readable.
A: 3:34
